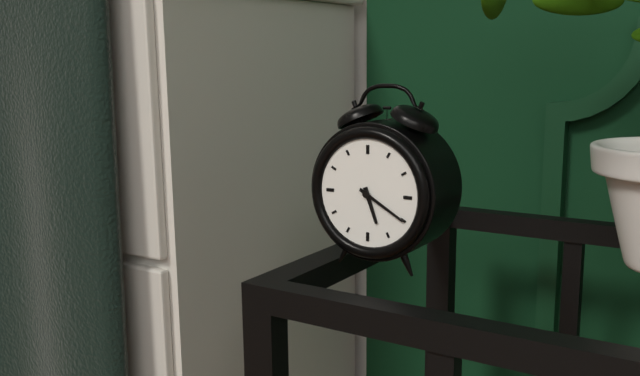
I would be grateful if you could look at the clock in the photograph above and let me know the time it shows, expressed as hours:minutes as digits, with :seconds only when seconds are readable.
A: 5:20
